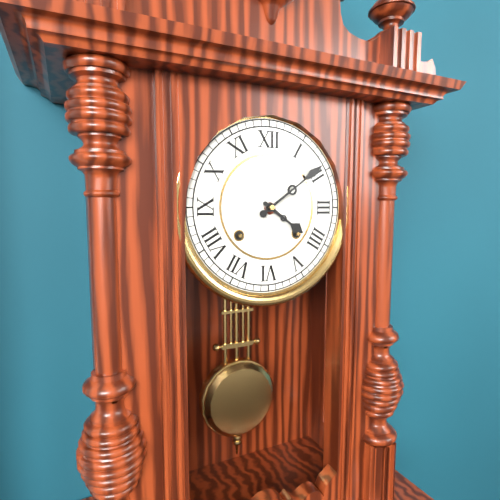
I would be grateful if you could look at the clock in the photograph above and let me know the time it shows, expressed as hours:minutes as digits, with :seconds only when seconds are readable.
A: 4:09
